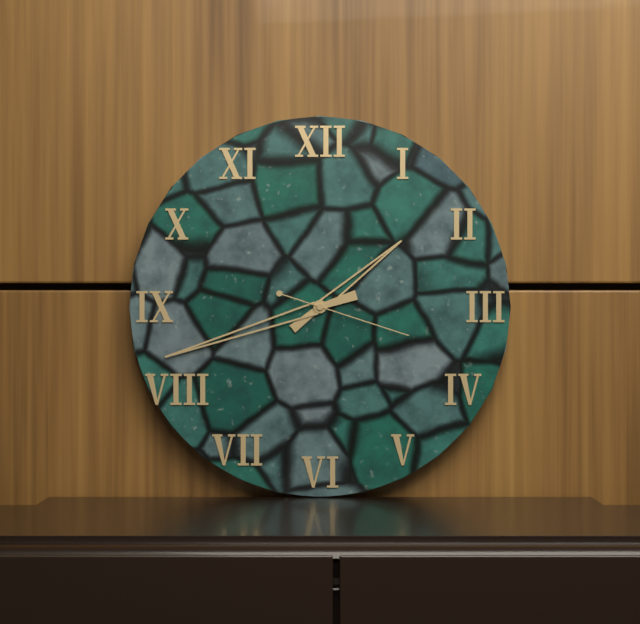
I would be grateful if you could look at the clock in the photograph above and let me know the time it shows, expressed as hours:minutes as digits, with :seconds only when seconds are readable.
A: 1:42:18
